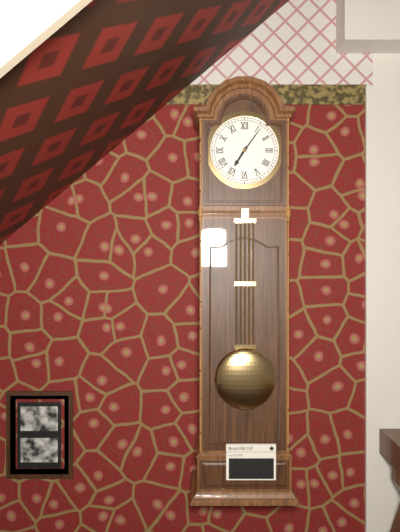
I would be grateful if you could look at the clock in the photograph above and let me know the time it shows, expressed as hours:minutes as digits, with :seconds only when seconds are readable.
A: 7:06
